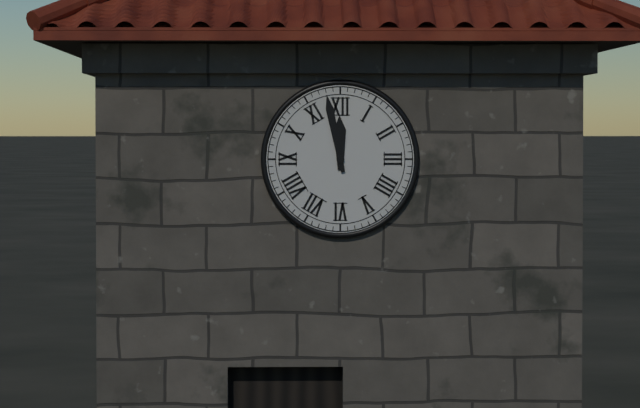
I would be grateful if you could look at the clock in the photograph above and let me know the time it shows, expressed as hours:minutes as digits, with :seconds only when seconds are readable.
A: 11:58
